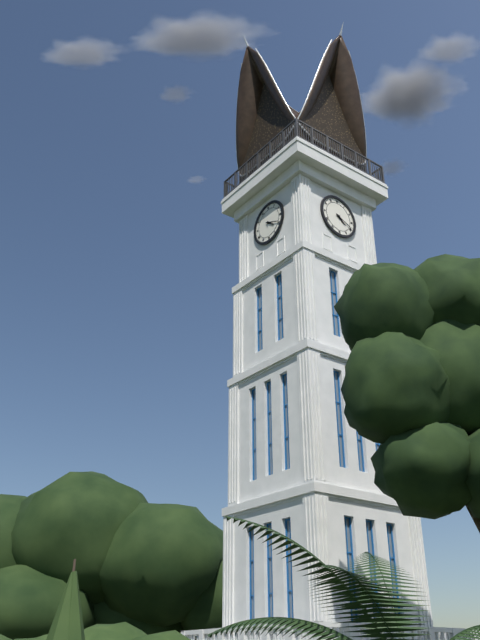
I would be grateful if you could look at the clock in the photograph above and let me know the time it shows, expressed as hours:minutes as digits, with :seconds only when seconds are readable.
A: 4:19
